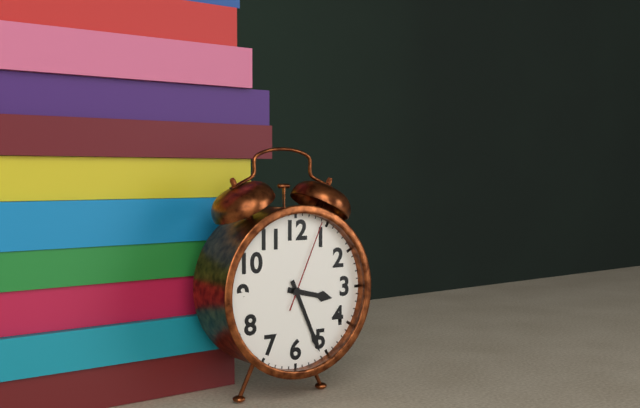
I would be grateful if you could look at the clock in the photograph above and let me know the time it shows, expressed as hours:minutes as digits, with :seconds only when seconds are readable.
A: 3:26:04
